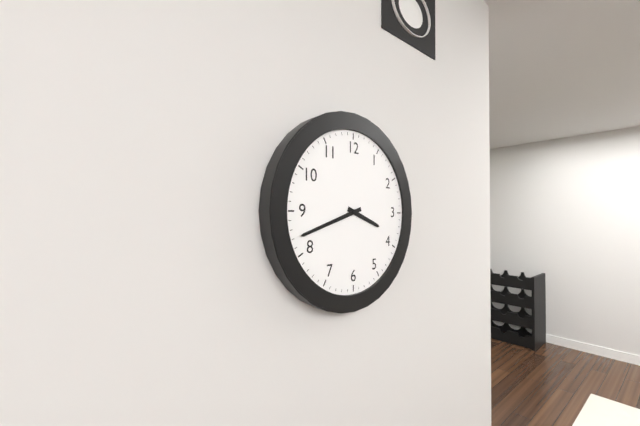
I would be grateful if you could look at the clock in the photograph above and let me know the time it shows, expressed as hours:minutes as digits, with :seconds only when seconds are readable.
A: 3:42
